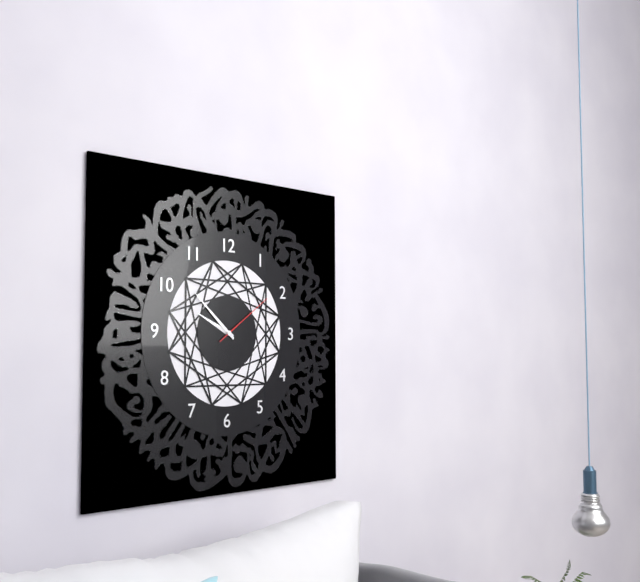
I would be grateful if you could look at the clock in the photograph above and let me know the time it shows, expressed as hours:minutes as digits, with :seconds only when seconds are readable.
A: 9:52:09
